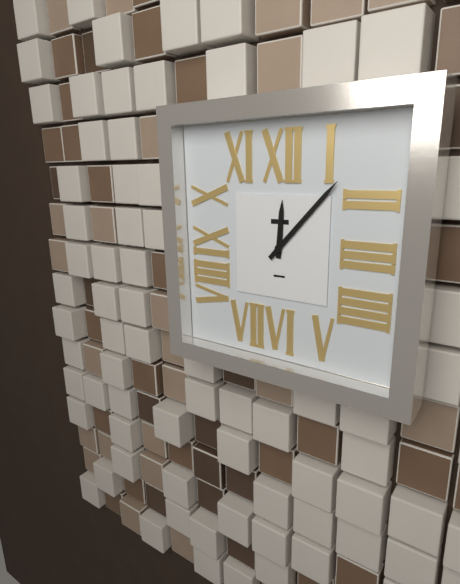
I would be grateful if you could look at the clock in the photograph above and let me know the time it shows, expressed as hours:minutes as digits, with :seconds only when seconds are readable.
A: 12:07
